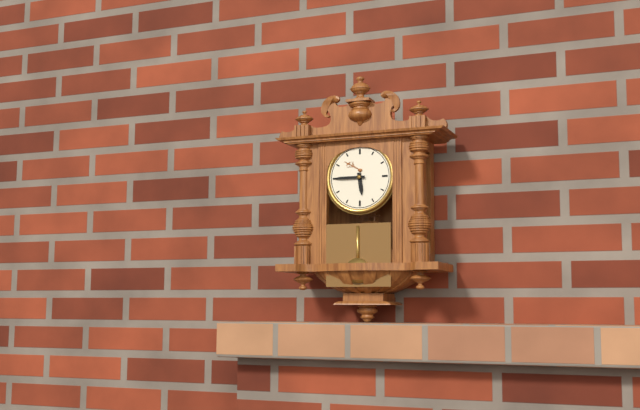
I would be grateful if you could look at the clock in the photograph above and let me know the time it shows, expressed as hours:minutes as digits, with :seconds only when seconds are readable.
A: 5:45
